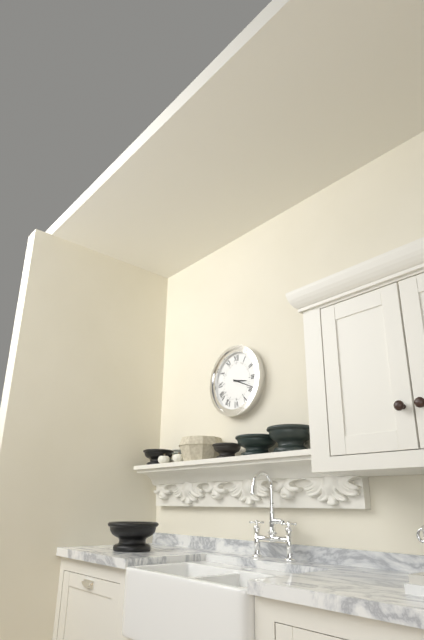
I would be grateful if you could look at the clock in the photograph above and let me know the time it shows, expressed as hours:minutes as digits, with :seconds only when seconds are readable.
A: 3:19
